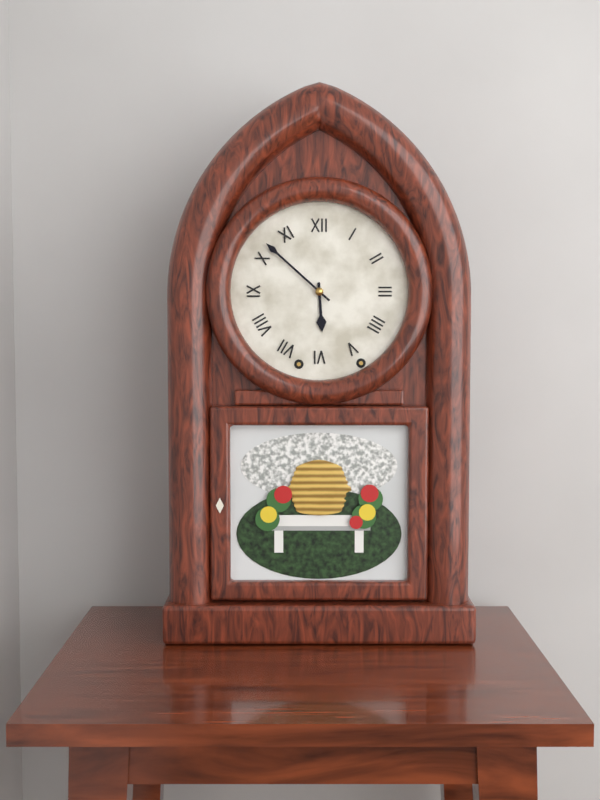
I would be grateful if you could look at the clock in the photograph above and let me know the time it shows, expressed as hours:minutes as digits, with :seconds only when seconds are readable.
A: 5:52
